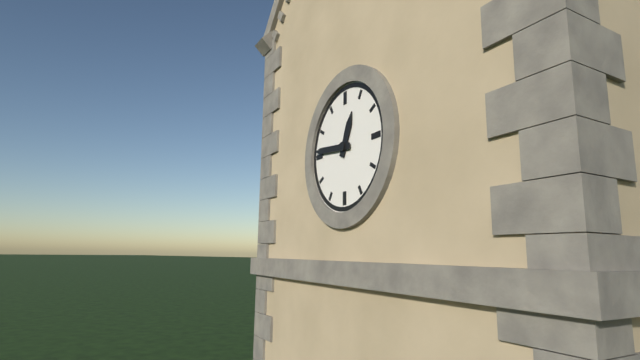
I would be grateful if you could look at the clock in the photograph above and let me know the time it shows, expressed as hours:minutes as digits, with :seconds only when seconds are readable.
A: 12:46
